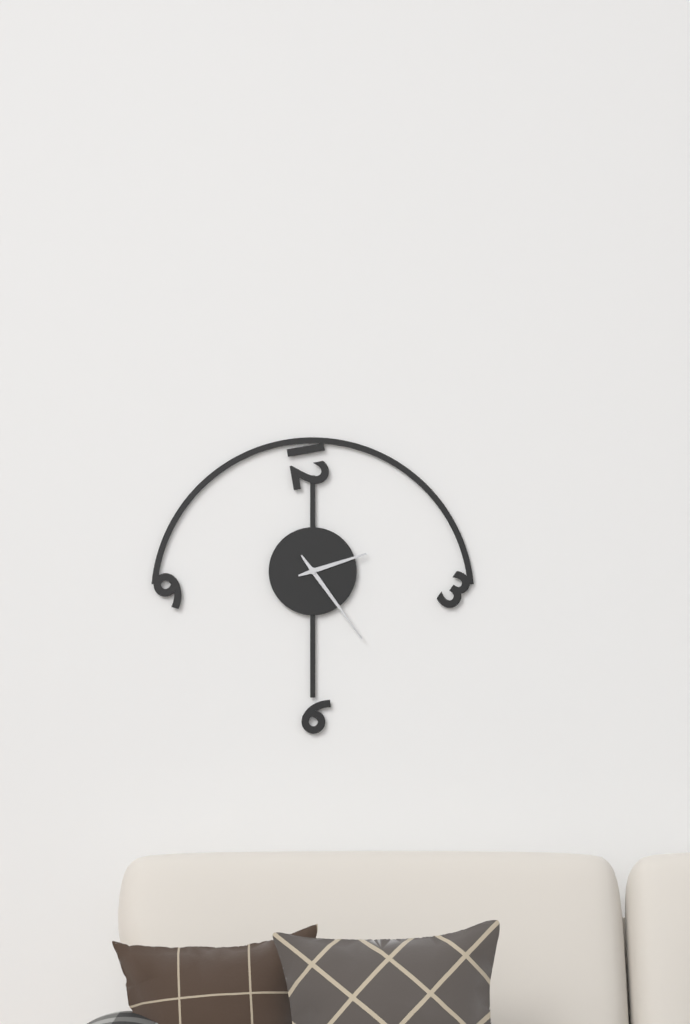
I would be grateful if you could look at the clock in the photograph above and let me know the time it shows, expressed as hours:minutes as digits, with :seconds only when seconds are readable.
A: 2:24
